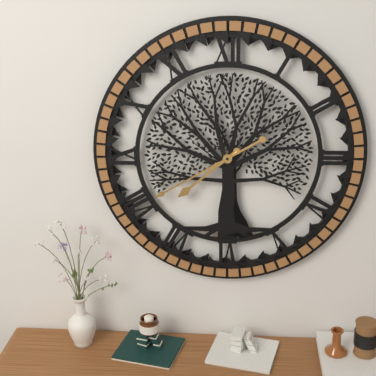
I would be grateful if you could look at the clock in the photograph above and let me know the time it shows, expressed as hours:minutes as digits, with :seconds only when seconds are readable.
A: 7:40
